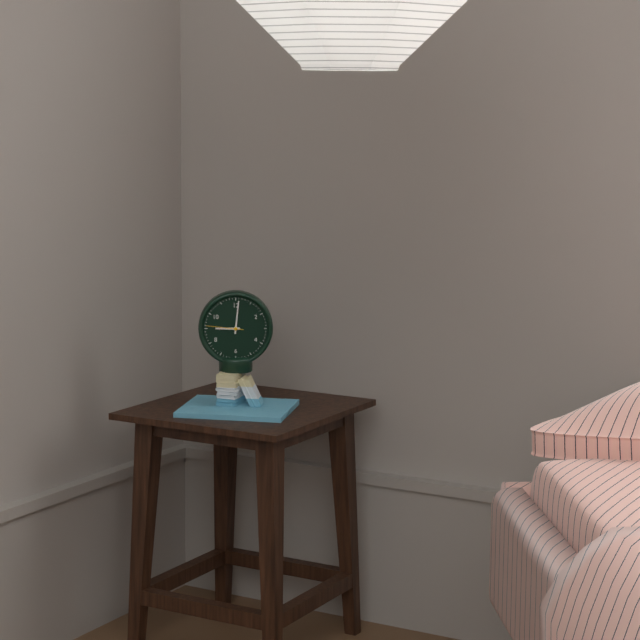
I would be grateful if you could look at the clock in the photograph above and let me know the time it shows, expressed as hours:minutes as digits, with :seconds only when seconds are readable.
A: 9:01
